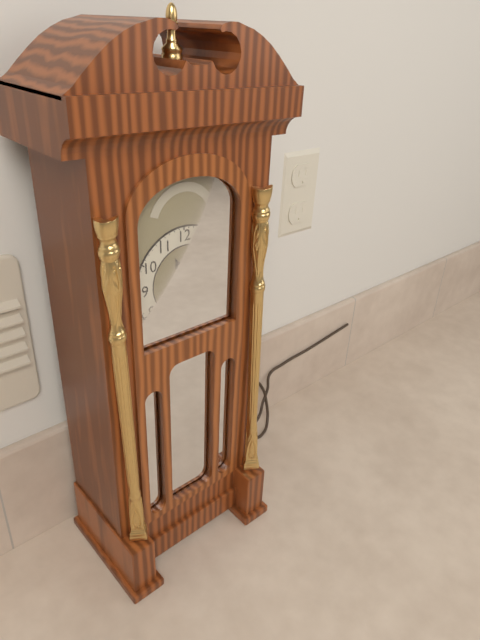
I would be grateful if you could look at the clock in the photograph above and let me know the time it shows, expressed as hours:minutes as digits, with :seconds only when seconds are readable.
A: 11:14
